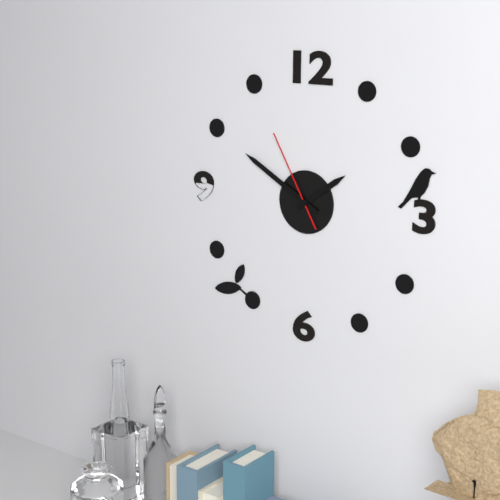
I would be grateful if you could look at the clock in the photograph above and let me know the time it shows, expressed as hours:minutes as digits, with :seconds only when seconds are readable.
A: 1:50:55
